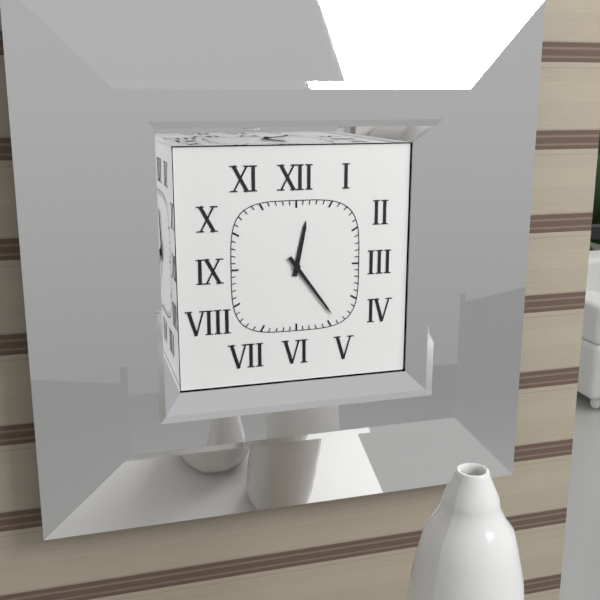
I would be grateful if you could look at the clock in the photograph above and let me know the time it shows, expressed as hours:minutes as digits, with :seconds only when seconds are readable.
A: 12:24
